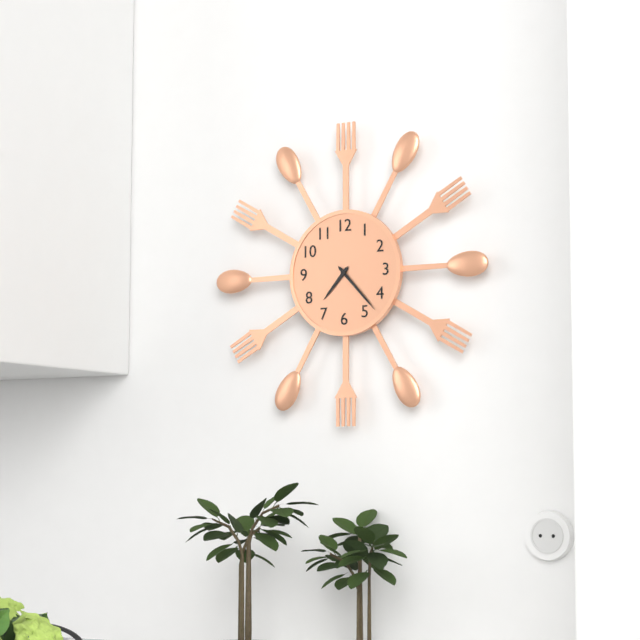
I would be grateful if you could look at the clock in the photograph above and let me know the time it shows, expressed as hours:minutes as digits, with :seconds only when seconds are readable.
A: 7:23
